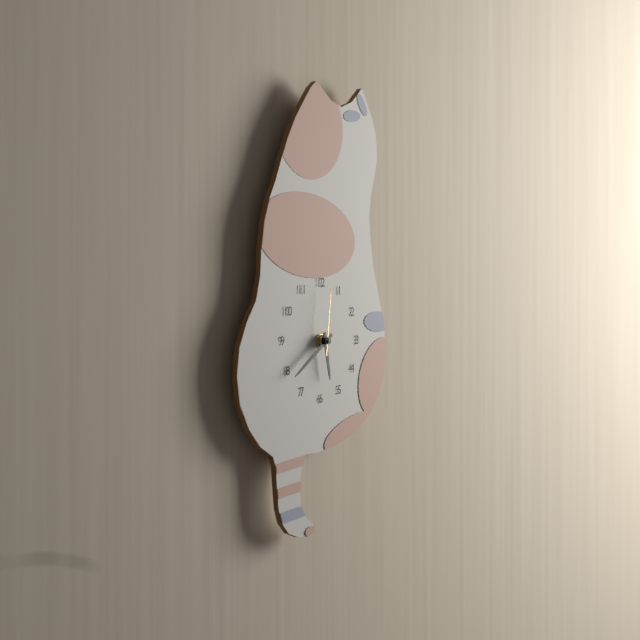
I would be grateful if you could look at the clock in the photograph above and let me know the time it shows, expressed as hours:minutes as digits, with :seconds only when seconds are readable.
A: 5:39:01
